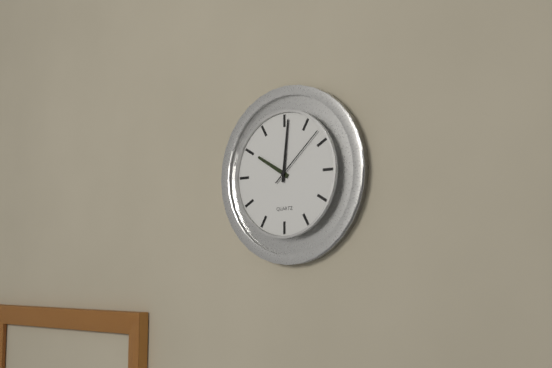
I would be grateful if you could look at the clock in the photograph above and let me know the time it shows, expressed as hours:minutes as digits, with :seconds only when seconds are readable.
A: 10:01:08
